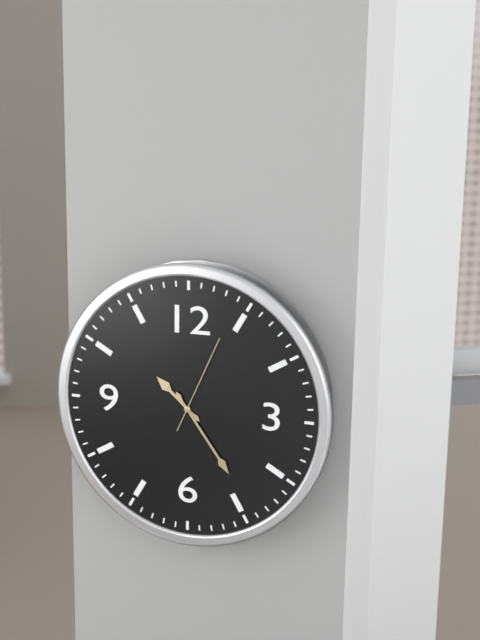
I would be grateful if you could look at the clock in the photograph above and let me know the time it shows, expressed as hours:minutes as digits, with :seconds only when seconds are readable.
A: 10:24:04
